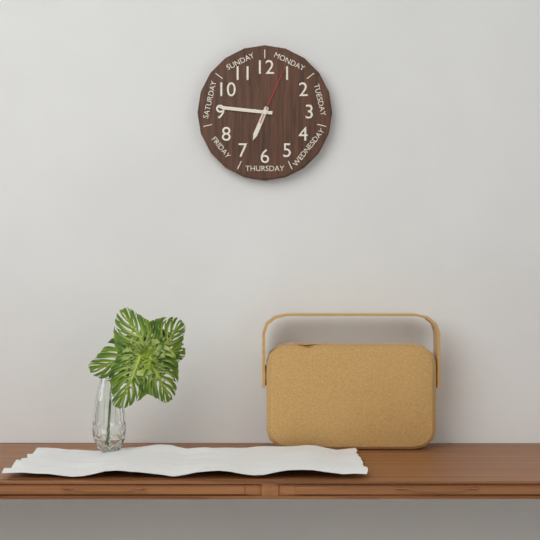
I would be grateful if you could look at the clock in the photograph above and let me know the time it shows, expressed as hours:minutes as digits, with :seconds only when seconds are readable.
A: 6:46:04
